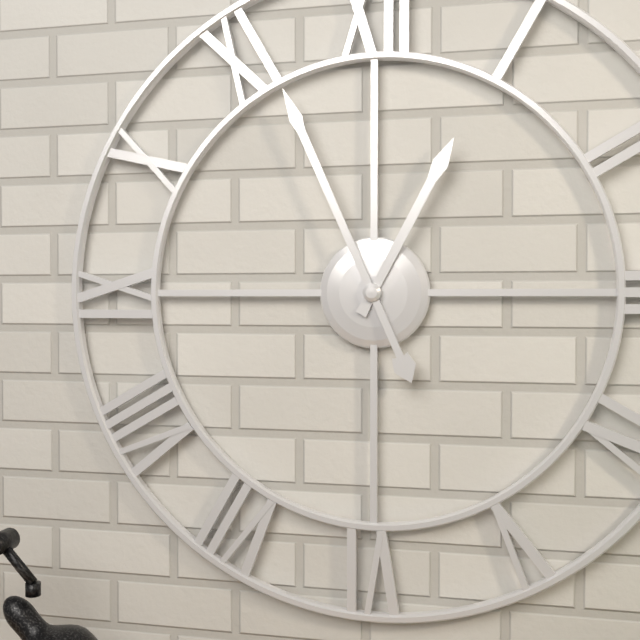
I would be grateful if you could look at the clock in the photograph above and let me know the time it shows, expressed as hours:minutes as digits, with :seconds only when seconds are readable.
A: 12:56
